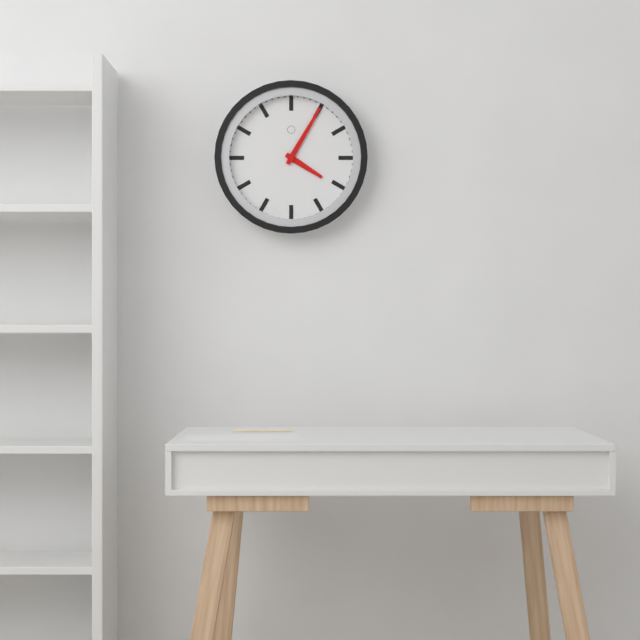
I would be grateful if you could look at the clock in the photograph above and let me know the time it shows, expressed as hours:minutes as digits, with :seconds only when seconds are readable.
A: 4:05
